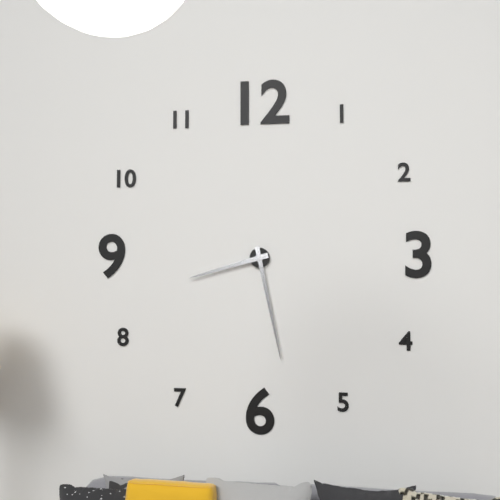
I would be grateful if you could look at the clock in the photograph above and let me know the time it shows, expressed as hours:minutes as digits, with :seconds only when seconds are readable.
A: 8:28
